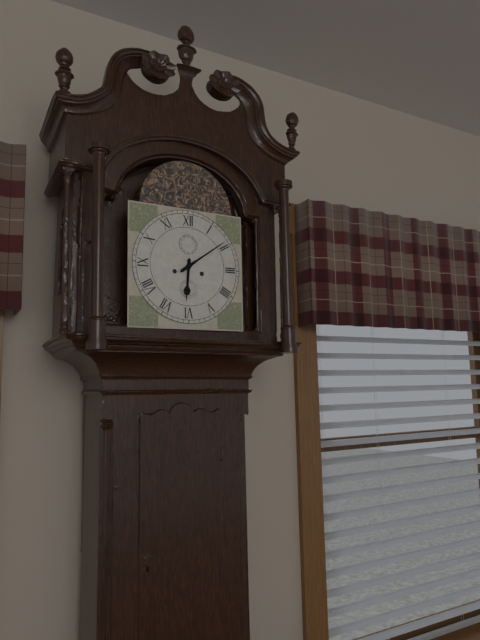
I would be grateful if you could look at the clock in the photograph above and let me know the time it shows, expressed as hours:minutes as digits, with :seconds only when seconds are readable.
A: 6:09
